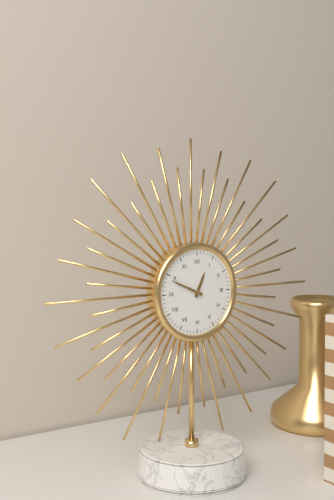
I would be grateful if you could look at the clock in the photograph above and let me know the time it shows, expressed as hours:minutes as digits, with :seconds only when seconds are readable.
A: 12:49
